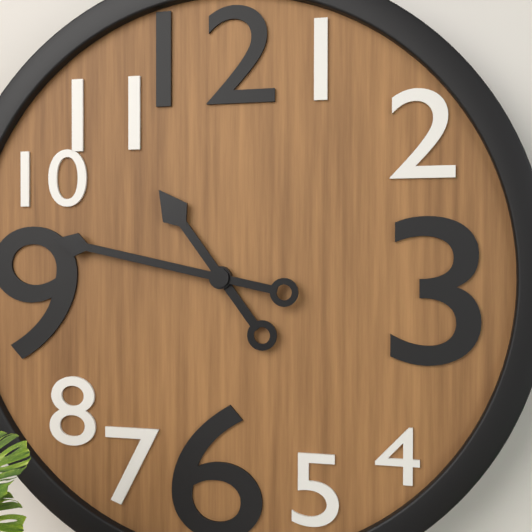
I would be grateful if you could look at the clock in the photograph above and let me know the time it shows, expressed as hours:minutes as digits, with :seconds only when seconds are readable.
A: 10:47
